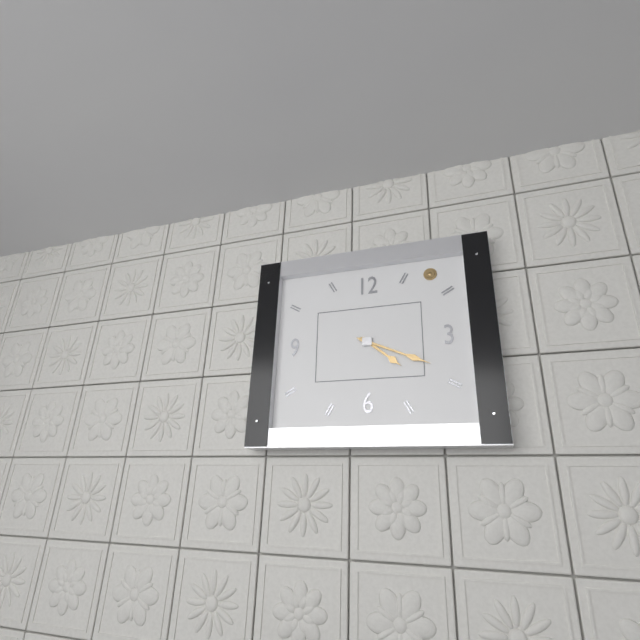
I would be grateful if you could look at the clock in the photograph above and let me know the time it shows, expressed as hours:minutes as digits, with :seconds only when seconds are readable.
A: 4:19
